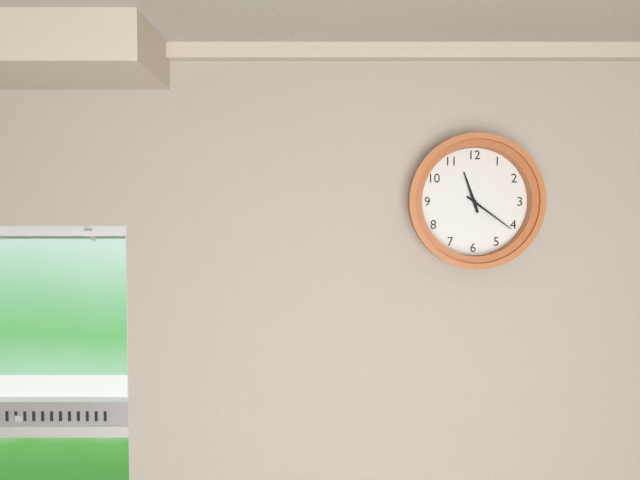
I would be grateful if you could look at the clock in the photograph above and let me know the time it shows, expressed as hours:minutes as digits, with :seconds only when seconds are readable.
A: 11:21
